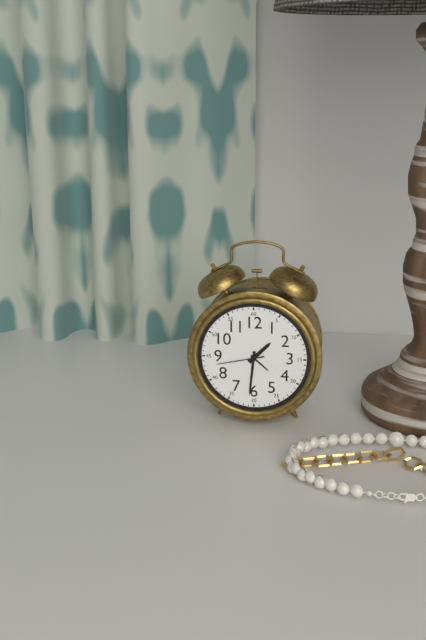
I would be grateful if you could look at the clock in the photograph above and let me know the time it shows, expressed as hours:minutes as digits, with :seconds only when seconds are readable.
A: 1:31
